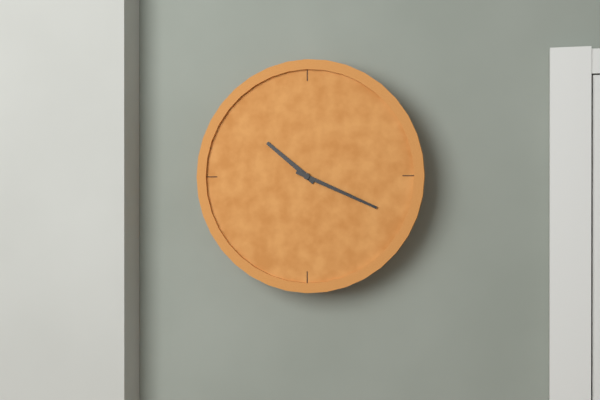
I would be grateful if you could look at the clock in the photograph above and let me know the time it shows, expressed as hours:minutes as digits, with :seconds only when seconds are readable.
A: 10:19
